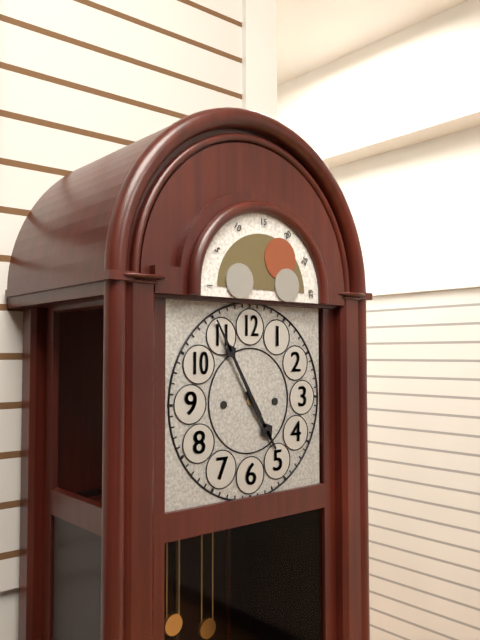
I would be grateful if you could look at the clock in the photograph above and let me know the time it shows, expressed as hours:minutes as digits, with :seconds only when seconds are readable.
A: 4:55
